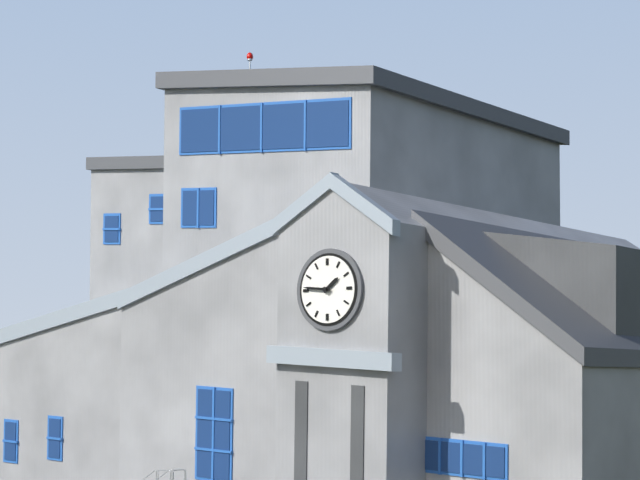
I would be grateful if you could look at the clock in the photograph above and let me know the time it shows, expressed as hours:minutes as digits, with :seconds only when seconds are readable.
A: 1:46
